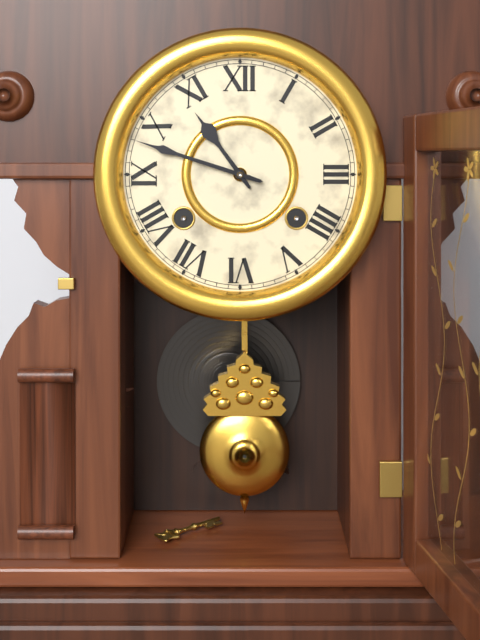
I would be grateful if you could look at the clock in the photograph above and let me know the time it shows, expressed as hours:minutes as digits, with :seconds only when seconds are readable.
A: 10:48
